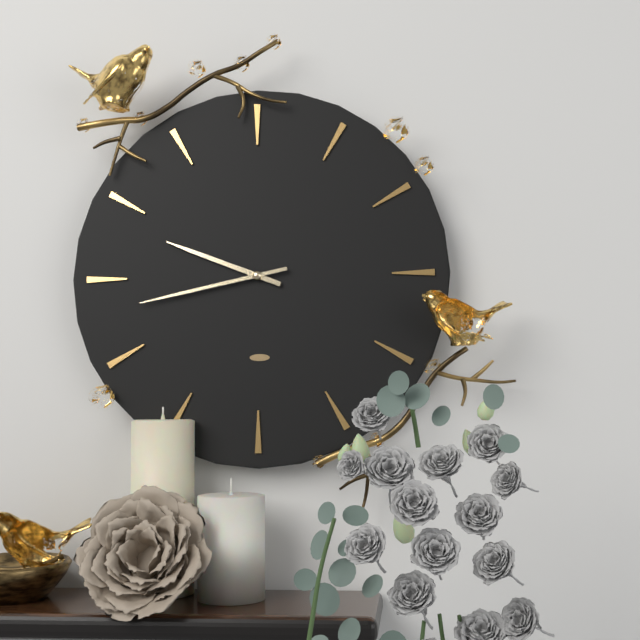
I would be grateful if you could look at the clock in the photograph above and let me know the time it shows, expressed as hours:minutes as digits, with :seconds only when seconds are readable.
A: 9:43
